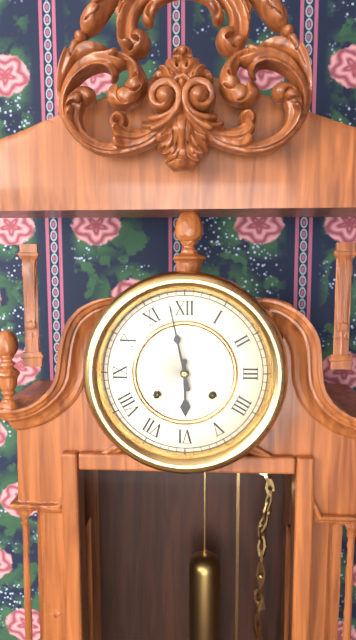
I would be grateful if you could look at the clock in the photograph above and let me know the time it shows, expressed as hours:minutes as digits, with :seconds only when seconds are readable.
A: 5:58
